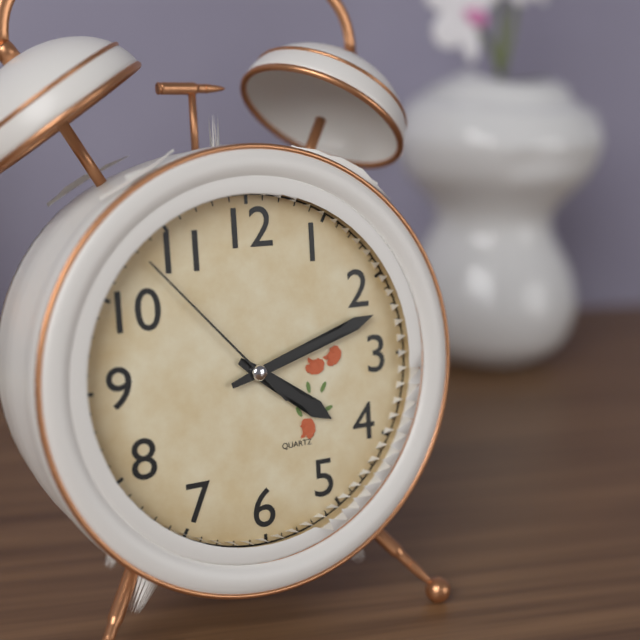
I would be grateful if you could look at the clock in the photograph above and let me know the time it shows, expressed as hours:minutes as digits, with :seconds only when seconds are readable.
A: 4:12:53
